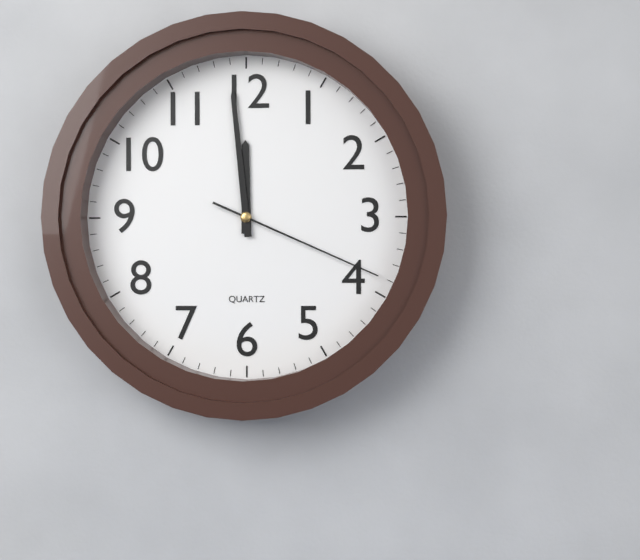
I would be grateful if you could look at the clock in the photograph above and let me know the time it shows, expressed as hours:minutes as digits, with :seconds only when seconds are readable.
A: 11:59:19
